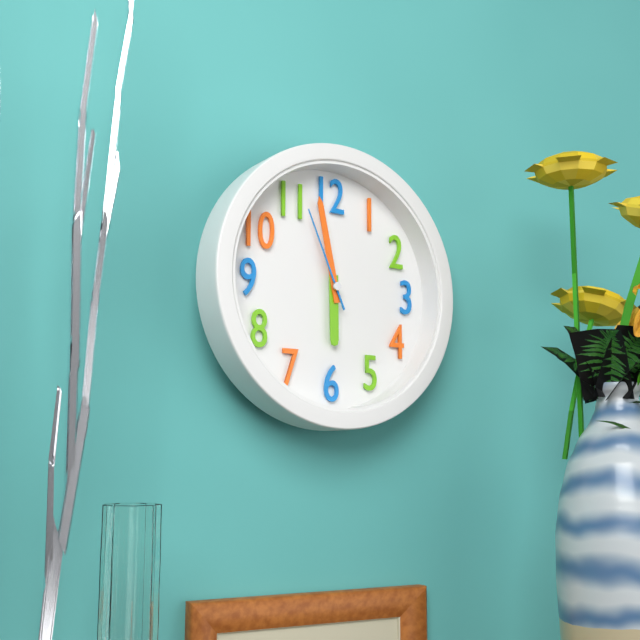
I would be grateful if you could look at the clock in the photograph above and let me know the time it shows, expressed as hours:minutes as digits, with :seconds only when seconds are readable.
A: 5:58:56
